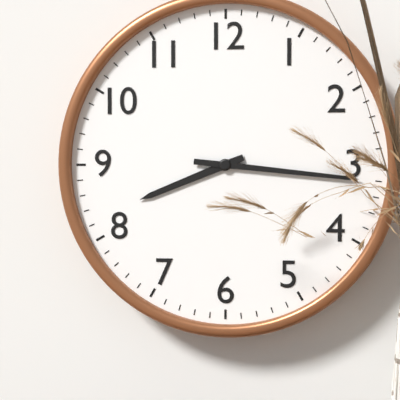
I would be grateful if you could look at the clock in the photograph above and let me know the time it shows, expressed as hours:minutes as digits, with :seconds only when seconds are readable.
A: 8:16
